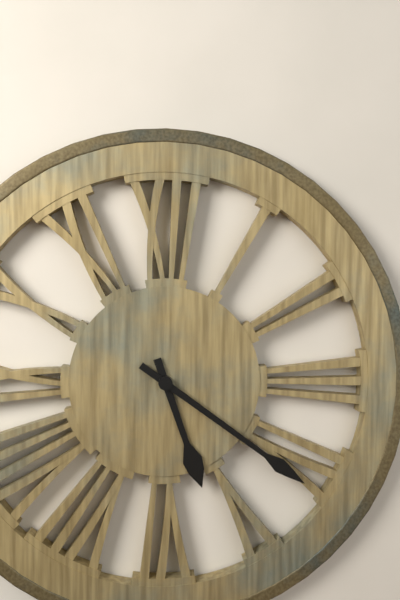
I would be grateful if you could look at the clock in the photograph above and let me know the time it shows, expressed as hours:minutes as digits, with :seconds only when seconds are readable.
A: 5:21
